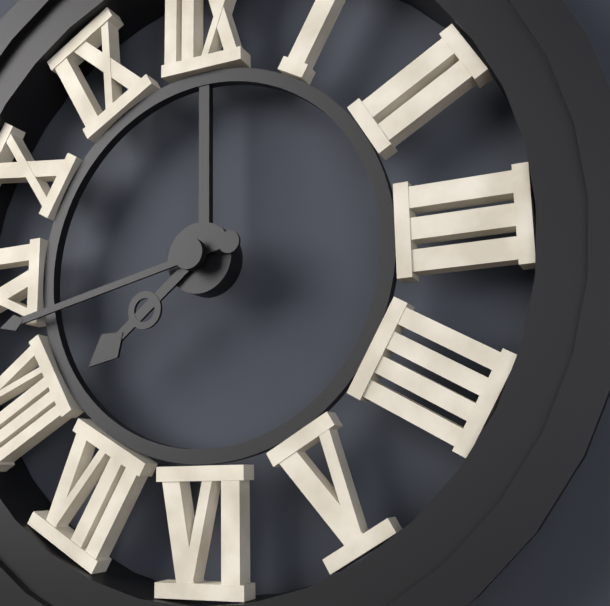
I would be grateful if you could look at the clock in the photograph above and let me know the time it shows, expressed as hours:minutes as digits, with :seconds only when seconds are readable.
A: 7:43
